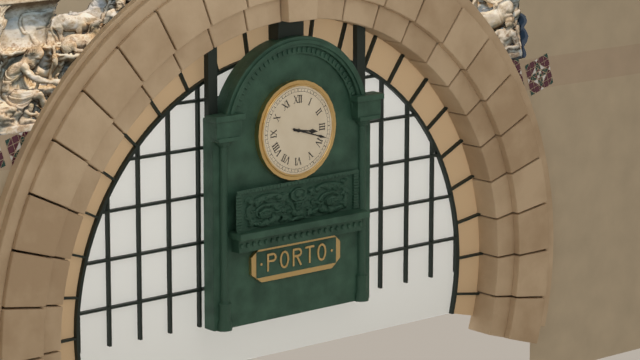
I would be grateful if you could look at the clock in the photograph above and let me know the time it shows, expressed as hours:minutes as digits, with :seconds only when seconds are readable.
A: 3:18
